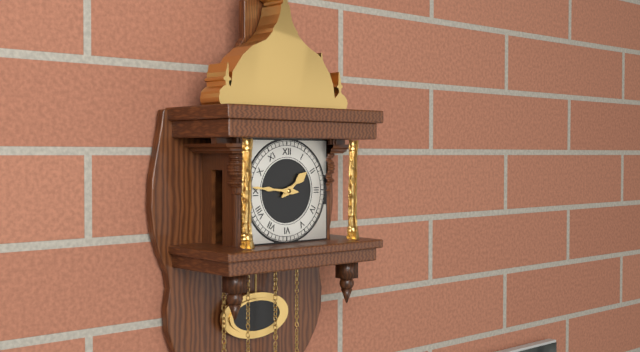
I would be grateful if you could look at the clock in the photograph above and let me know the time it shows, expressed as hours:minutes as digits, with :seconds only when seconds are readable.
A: 1:46
